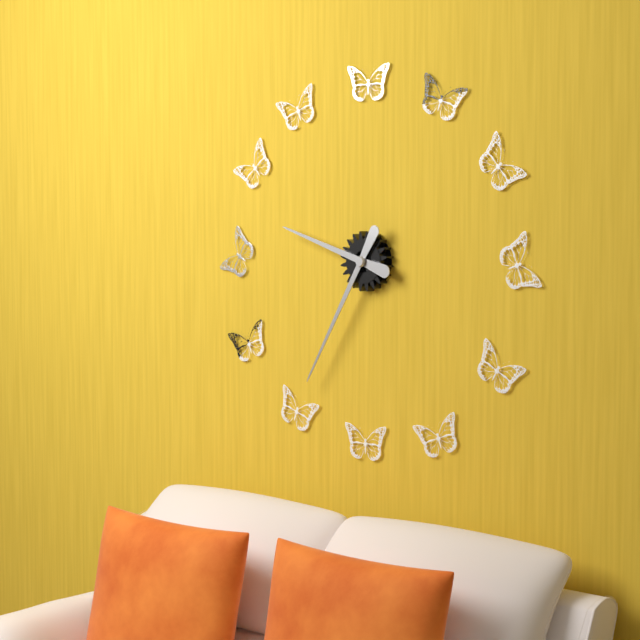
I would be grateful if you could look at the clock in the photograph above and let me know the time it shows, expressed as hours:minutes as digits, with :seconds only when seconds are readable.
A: 9:35
